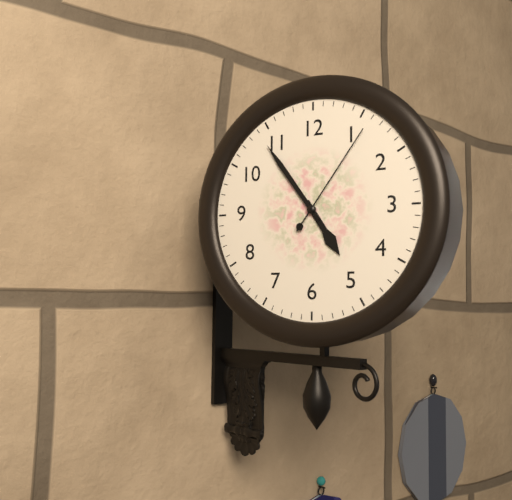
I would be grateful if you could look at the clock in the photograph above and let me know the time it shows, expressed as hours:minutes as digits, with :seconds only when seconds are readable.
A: 4:54:06
